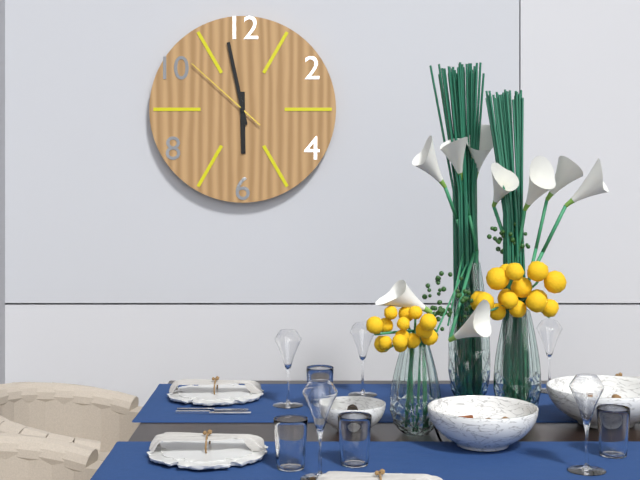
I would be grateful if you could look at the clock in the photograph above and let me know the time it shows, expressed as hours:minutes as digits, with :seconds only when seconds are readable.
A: 5:58:52
